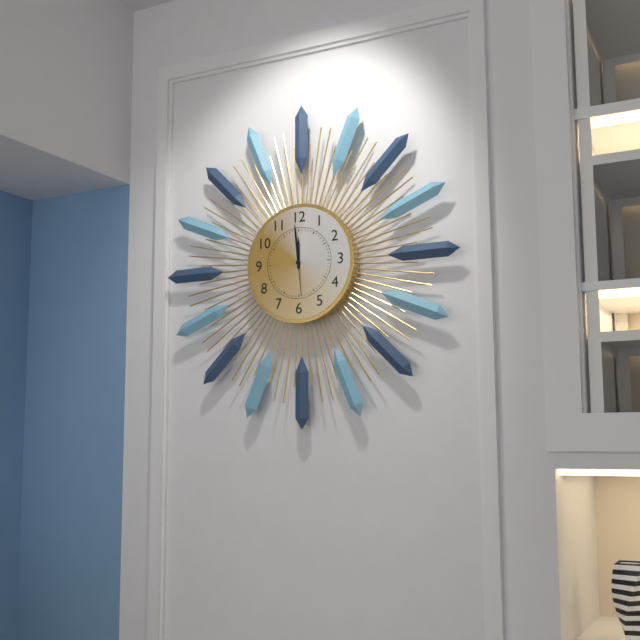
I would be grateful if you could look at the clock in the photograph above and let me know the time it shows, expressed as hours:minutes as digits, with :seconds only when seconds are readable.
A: 11:59
